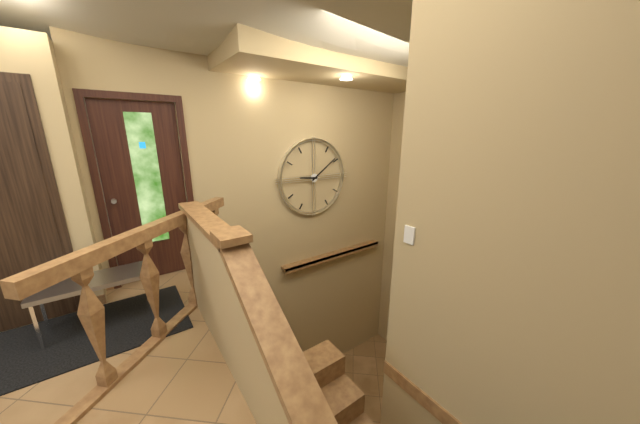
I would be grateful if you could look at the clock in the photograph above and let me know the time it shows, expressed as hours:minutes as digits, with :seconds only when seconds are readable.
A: 9:09
